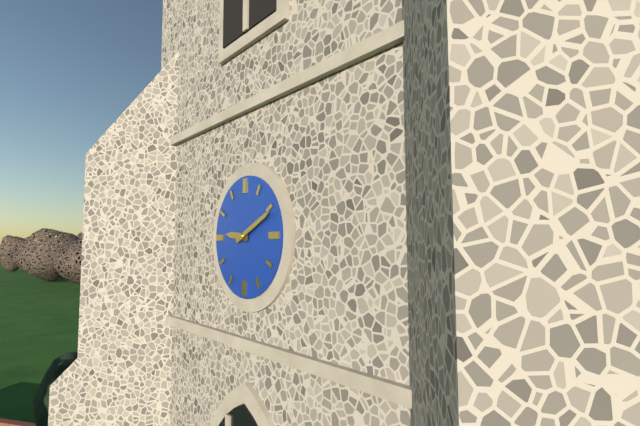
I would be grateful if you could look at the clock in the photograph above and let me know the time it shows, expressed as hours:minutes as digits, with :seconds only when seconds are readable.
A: 9:11
